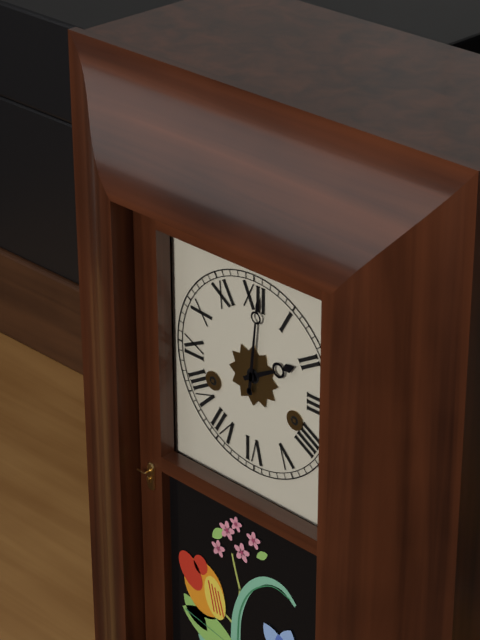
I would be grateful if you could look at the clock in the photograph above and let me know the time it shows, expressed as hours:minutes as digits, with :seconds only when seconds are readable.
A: 2:01
